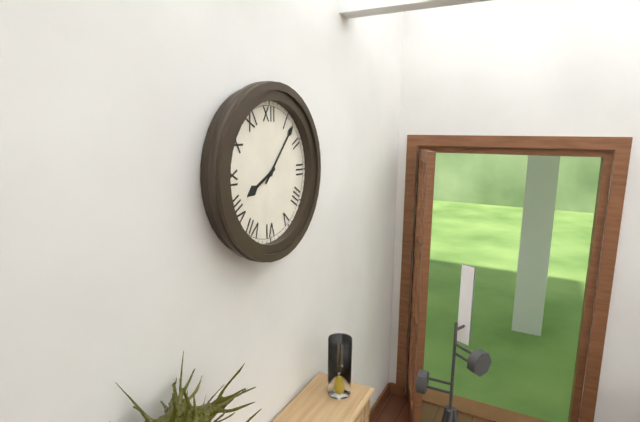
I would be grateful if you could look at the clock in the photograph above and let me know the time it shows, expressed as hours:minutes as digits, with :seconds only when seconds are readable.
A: 8:07
